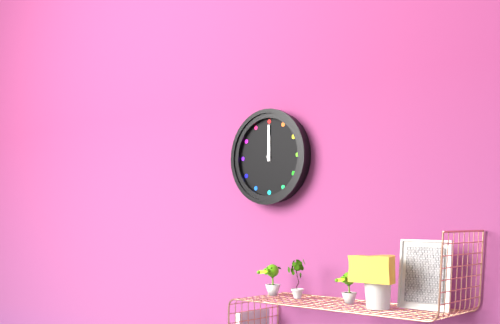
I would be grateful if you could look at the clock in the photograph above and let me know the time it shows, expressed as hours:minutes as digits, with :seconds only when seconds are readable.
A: 12:00
